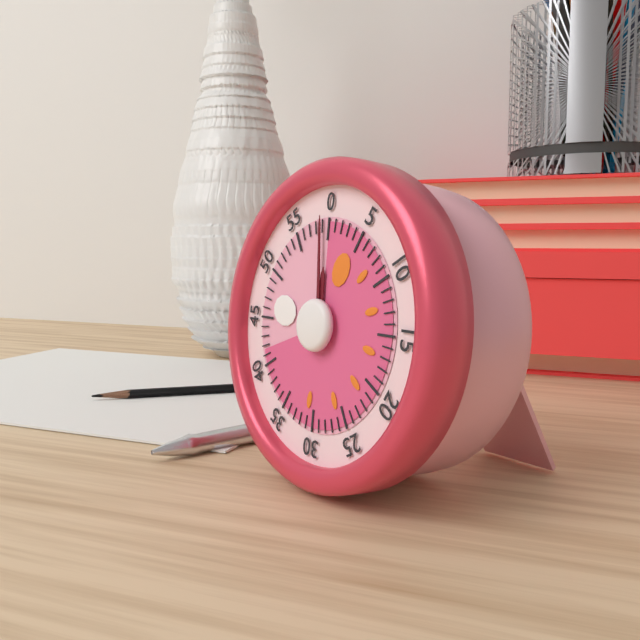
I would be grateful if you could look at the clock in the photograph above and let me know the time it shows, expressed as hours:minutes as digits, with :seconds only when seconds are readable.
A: 11:59
